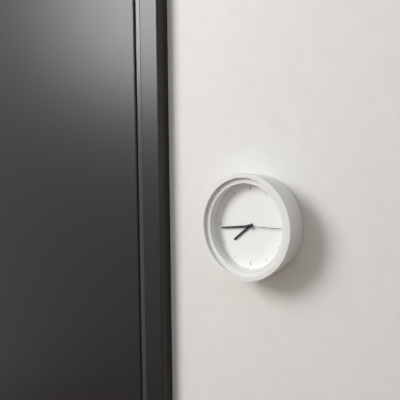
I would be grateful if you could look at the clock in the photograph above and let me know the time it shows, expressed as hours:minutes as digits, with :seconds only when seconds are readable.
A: 7:44
